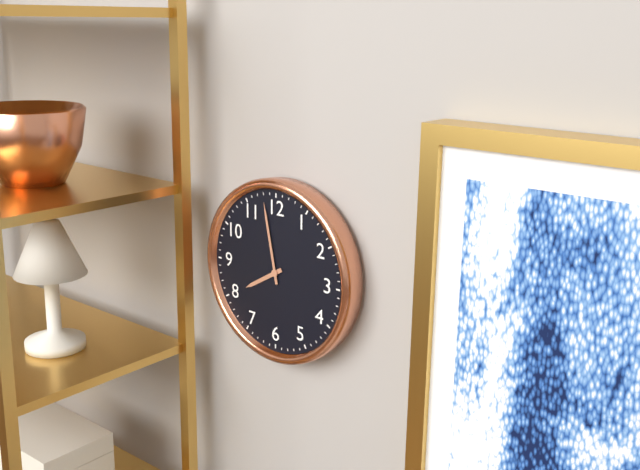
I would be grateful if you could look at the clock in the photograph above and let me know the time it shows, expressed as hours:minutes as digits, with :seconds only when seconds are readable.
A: 7:58
